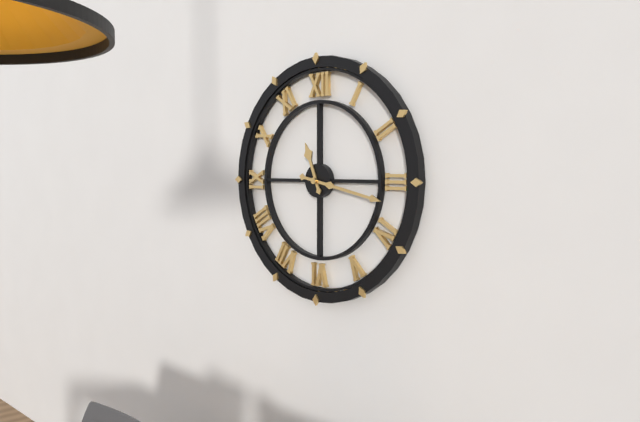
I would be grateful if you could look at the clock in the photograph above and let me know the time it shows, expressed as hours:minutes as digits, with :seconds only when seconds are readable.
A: 11:17
